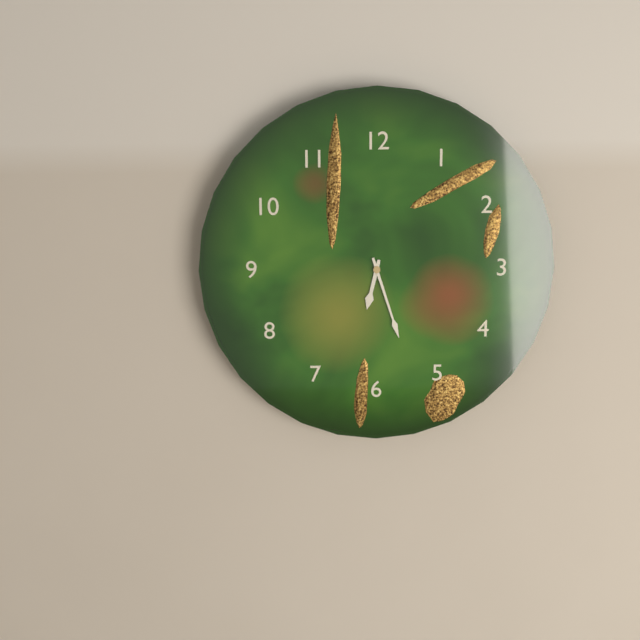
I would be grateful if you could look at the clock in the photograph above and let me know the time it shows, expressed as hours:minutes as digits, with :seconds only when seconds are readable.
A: 6:27
